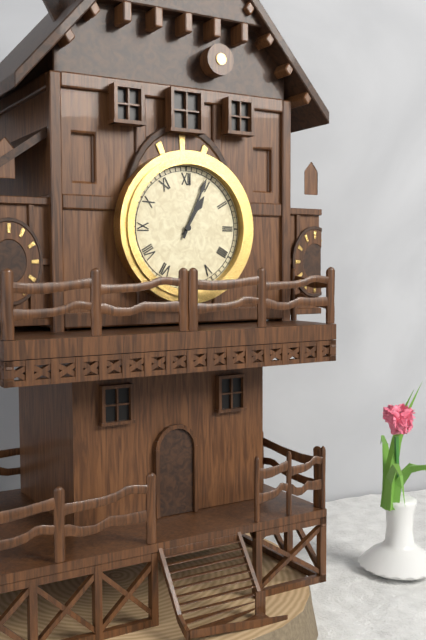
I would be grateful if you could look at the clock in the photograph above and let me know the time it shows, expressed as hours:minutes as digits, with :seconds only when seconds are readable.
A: 1:04
